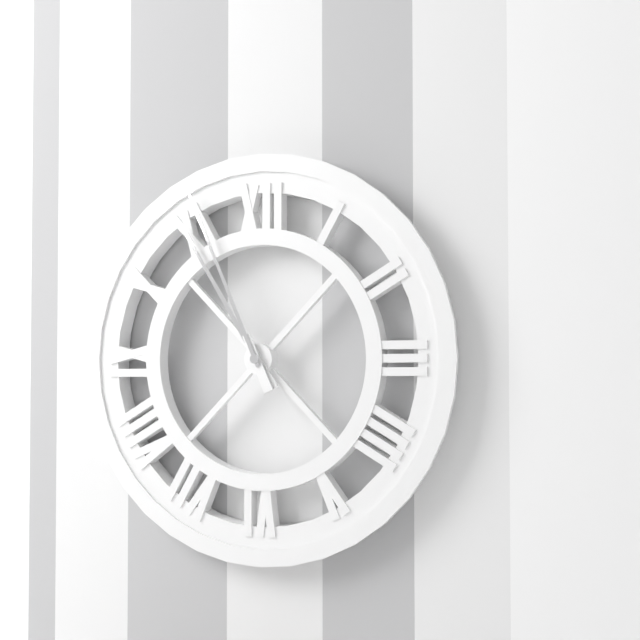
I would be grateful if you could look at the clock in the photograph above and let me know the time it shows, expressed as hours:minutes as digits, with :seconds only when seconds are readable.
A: 10:56
